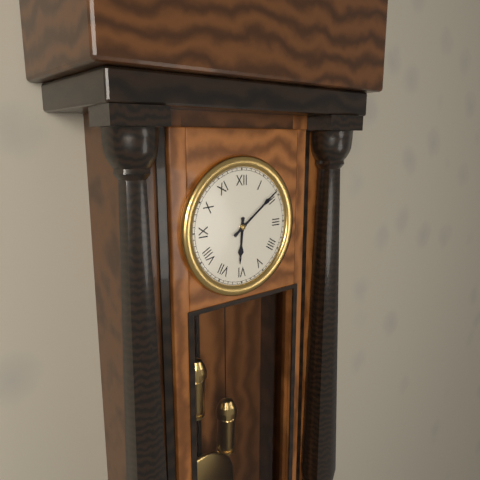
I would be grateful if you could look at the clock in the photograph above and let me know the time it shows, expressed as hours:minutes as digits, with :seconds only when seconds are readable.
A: 6:09
